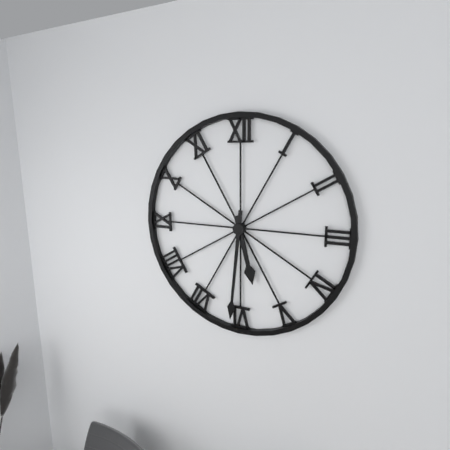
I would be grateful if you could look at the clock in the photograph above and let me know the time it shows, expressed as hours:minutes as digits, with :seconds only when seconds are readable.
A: 5:31
